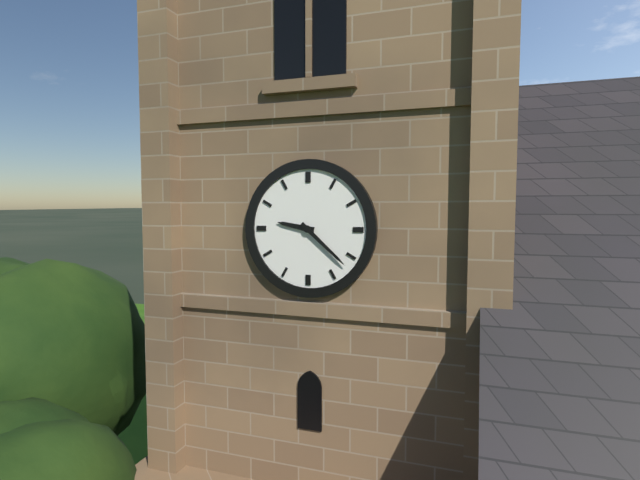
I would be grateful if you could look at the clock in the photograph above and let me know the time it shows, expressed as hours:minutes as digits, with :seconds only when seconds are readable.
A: 9:22
